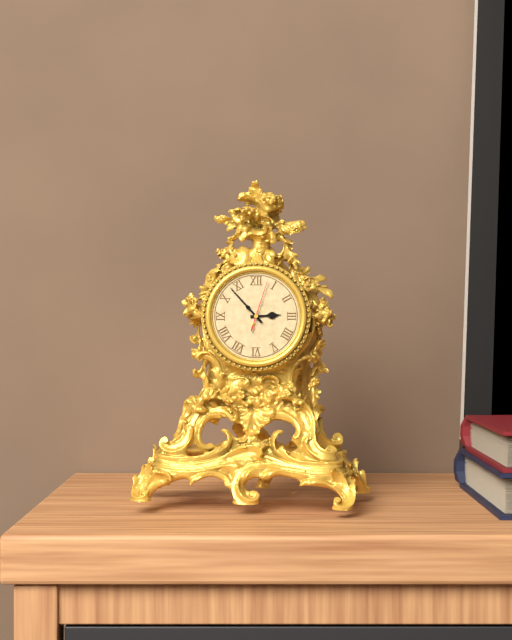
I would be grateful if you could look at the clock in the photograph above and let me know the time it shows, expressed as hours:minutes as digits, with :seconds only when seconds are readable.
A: 2:53
